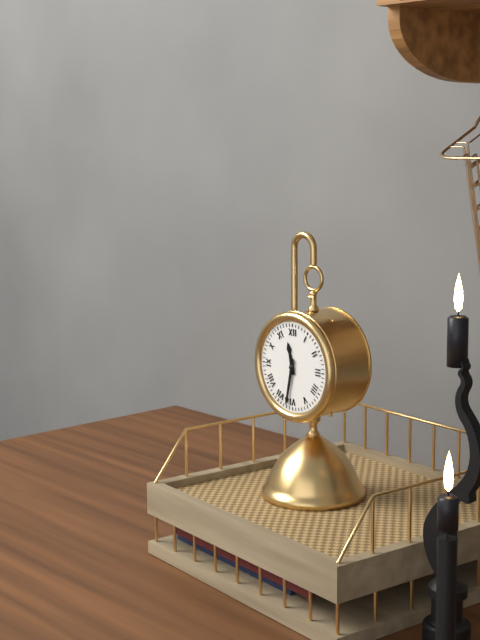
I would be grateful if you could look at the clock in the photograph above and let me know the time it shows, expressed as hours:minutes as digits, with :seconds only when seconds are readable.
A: 11:32
